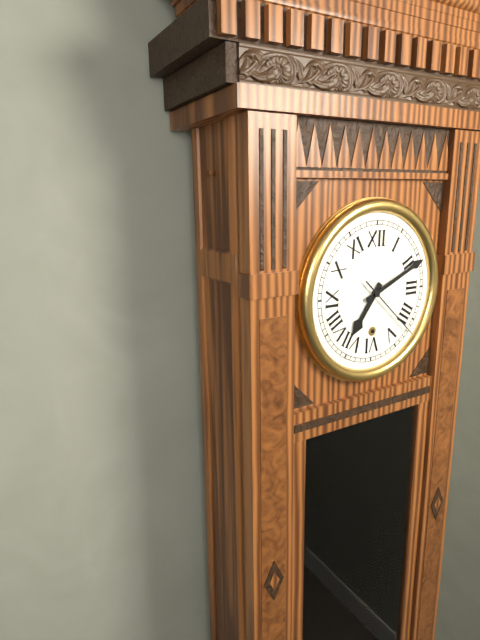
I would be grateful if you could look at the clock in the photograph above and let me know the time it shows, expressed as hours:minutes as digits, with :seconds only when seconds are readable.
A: 7:11:22
